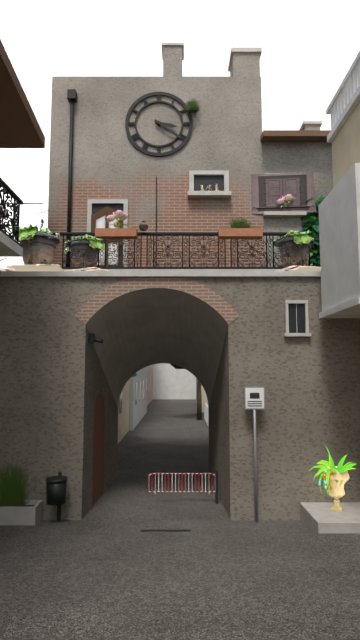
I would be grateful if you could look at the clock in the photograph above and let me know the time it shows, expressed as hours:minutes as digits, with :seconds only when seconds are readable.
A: 3:21
